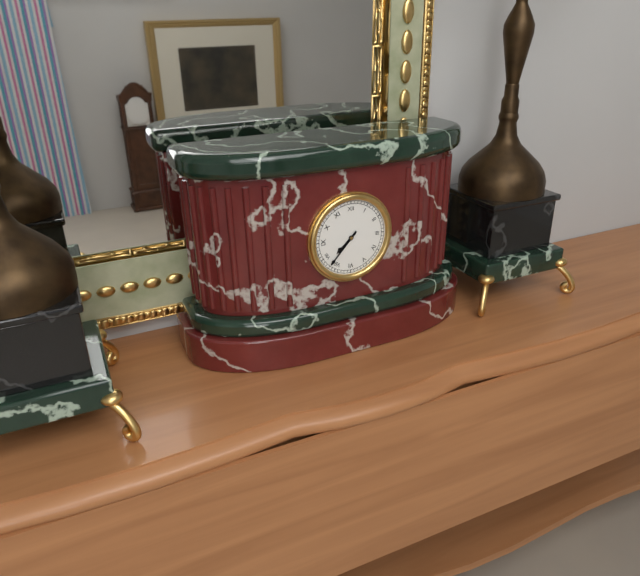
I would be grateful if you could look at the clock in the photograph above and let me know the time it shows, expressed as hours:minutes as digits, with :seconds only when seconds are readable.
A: 7:37
